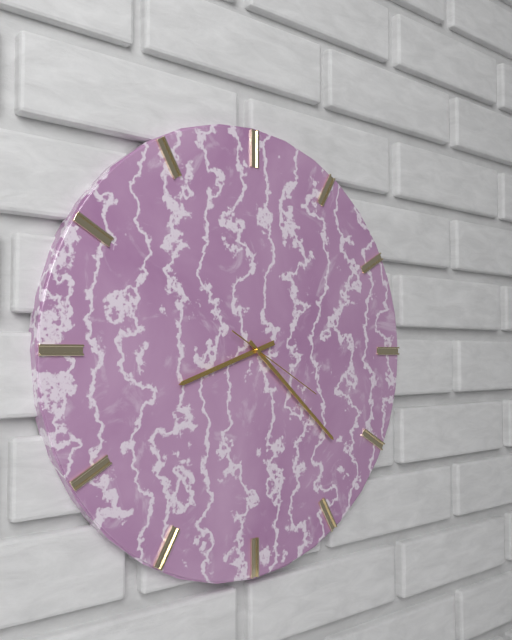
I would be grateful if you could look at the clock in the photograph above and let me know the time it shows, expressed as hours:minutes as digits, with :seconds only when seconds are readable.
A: 8:22:20
